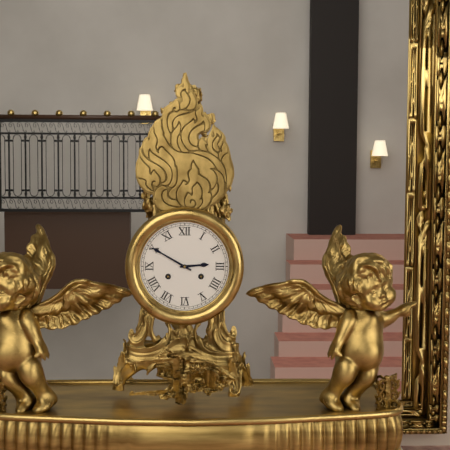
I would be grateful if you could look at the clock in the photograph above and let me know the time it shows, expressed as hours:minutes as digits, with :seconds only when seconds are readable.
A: 2:50
